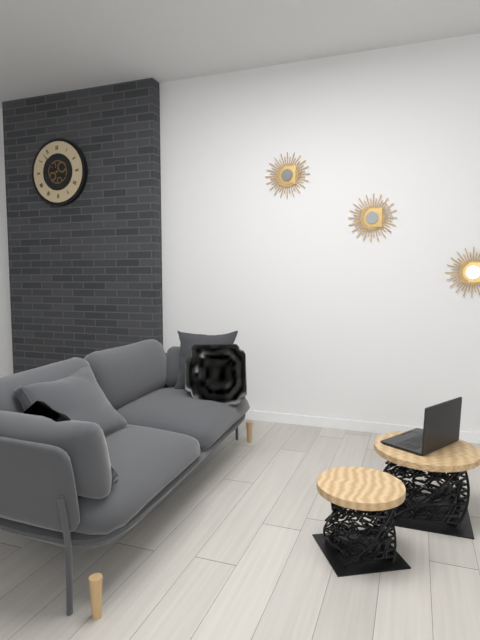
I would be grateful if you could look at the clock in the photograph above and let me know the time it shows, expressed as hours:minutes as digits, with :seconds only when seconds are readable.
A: 3:53
